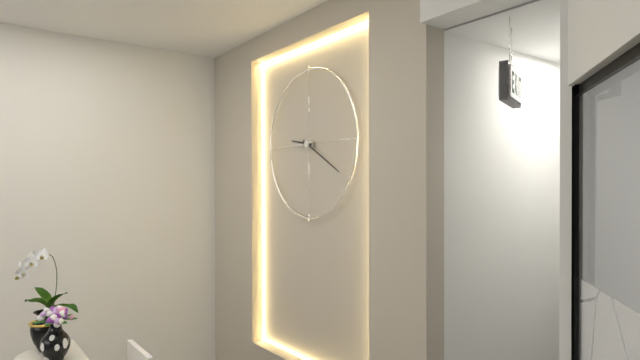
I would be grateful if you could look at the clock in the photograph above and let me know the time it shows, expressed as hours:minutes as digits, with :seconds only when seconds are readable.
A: 9:20
